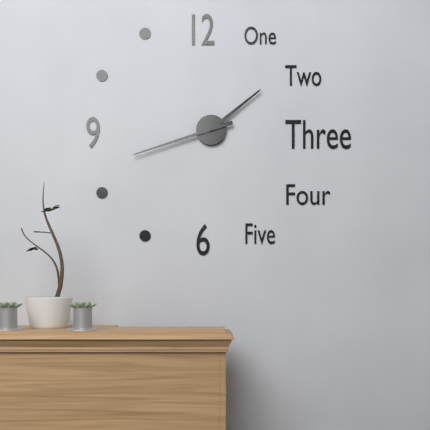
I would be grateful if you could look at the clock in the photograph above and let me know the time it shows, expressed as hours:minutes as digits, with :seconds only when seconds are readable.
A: 1:42
